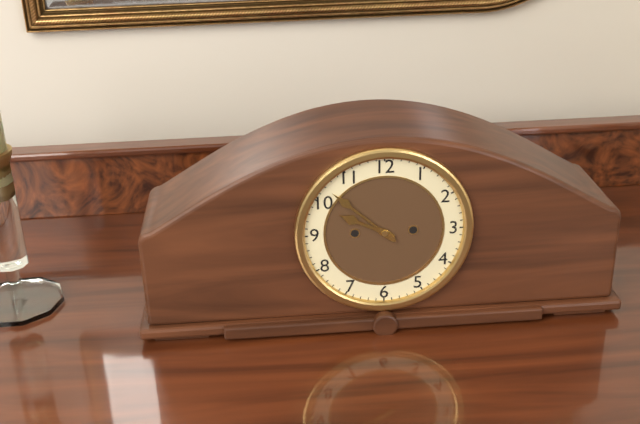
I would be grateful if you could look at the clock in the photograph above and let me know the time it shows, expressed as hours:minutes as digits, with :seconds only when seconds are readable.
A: 9:52
